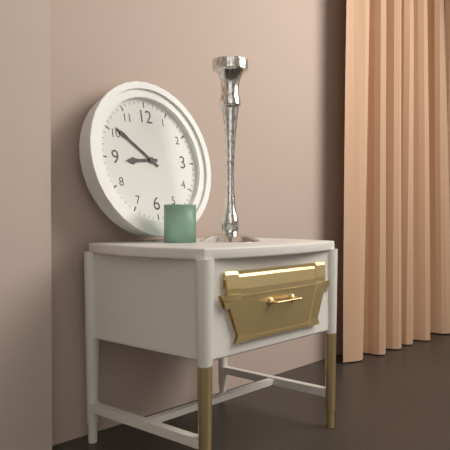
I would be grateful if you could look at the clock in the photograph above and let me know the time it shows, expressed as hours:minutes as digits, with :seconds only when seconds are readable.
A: 8:51
